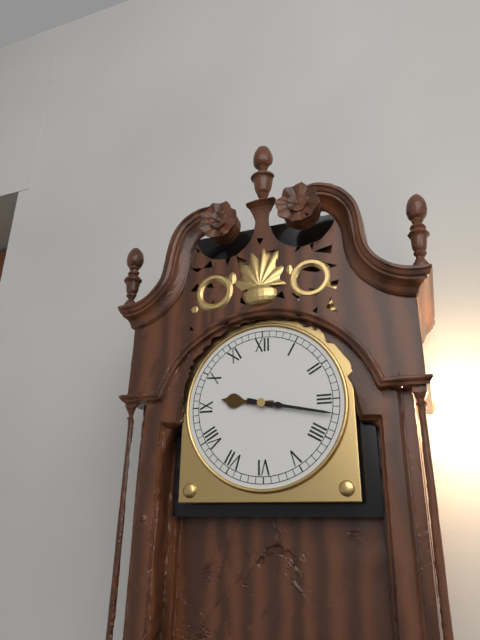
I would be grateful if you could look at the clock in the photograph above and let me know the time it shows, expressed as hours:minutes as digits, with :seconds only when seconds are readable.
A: 9:17
